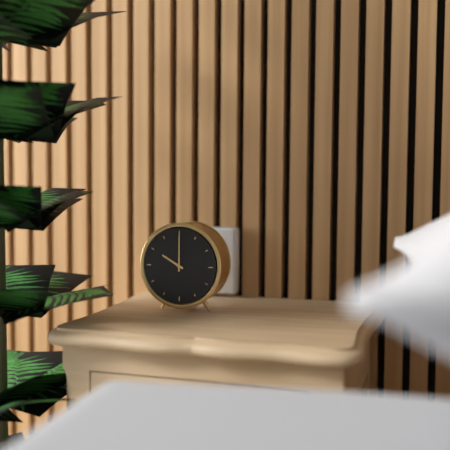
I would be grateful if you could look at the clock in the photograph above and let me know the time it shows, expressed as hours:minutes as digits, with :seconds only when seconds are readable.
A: 10:00
